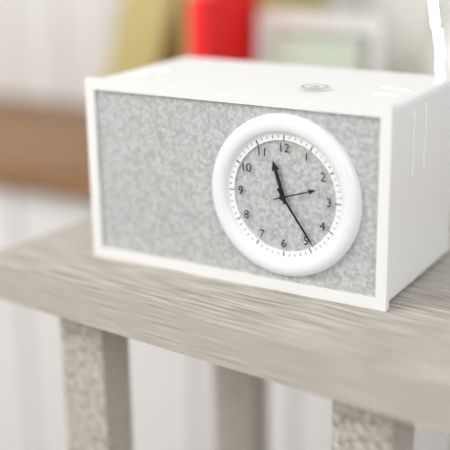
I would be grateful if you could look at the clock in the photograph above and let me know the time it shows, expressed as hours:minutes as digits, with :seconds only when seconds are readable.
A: 11:24
